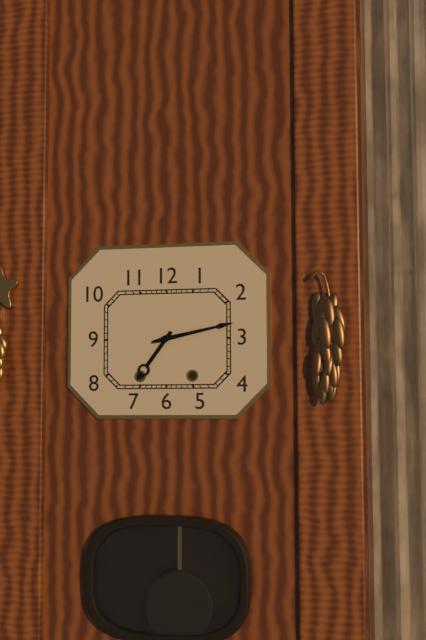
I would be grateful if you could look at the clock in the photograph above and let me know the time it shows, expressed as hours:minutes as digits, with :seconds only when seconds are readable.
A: 7:13
